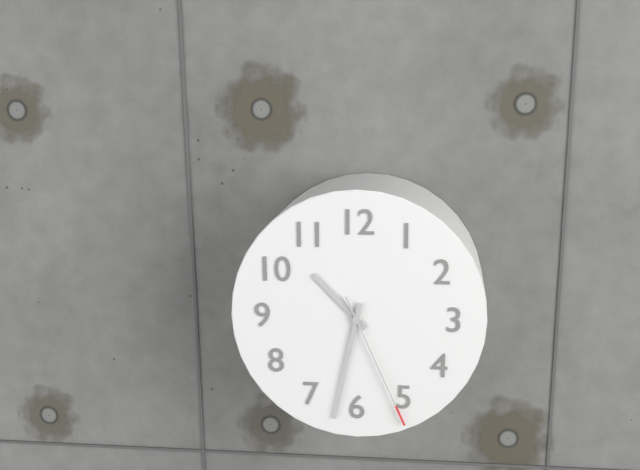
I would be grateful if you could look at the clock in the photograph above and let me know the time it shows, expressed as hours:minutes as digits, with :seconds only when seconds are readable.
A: 10:32:26
